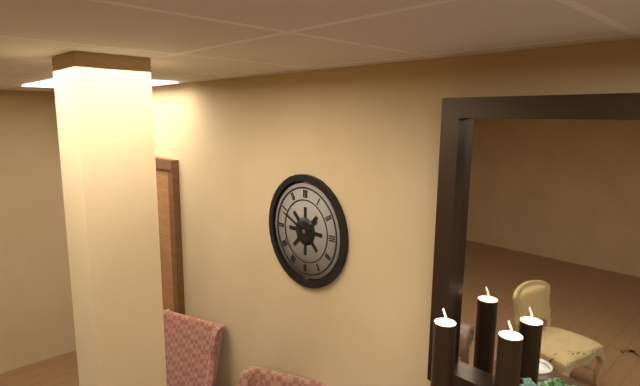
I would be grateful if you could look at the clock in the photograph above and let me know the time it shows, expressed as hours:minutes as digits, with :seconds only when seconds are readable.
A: 1:49
